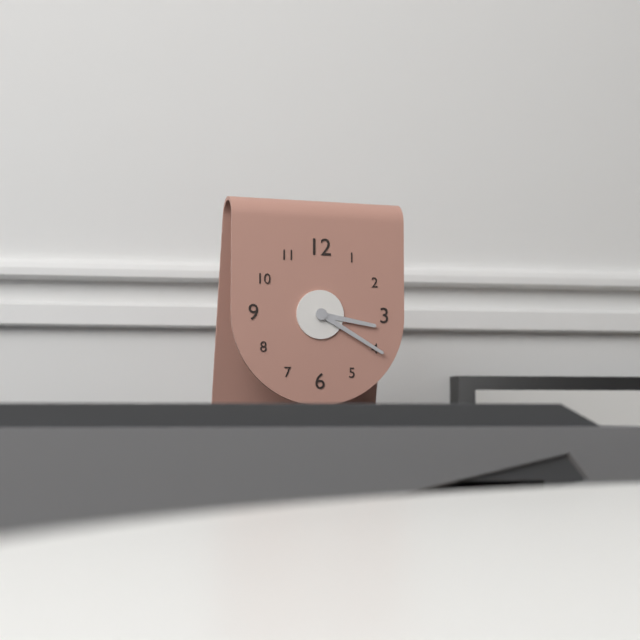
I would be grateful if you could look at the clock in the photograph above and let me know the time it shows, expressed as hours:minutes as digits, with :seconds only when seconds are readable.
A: 3:20
